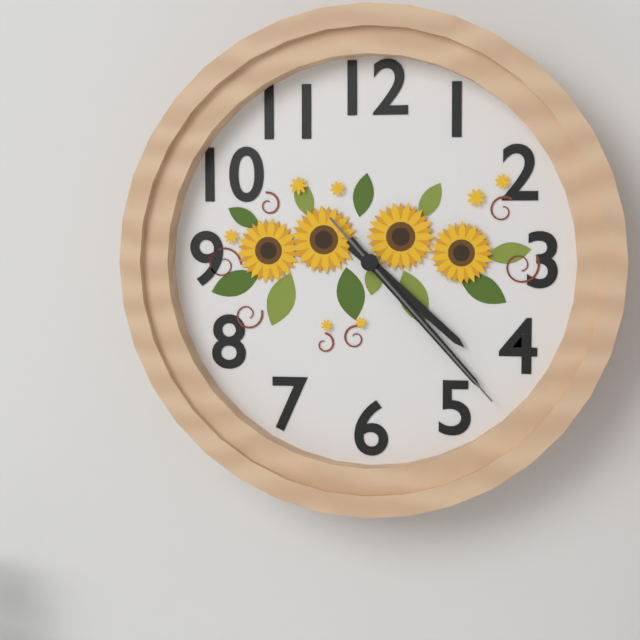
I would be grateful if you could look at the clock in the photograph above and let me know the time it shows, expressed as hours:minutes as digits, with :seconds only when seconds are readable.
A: 4:23:23
